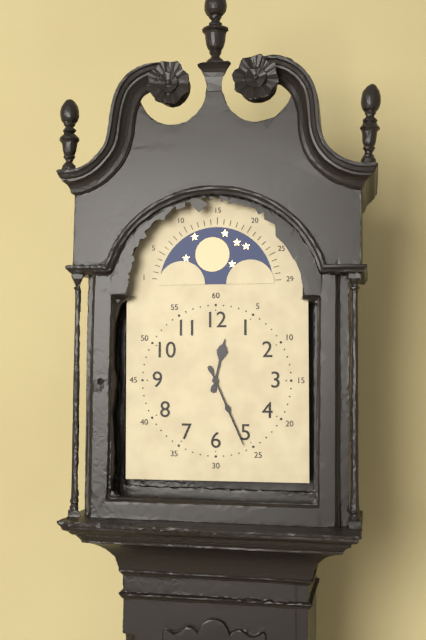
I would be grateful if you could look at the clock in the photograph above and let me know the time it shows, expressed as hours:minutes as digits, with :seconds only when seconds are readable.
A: 12:26
